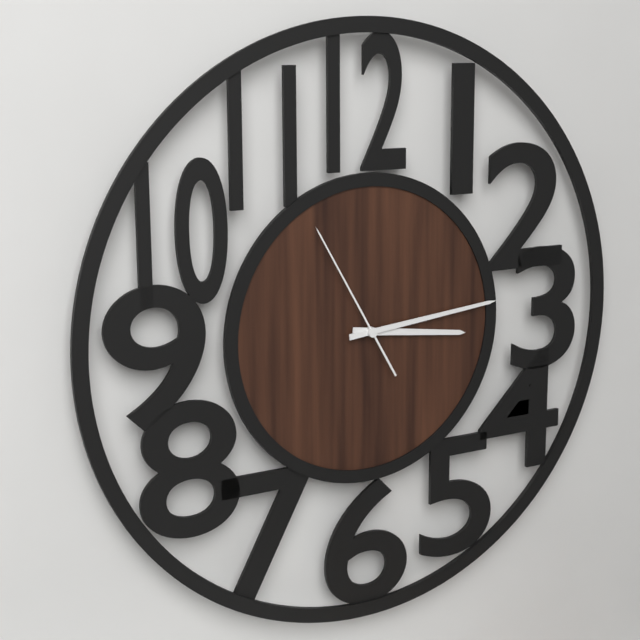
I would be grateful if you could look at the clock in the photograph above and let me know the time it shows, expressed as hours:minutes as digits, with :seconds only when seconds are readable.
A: 3:14:55
